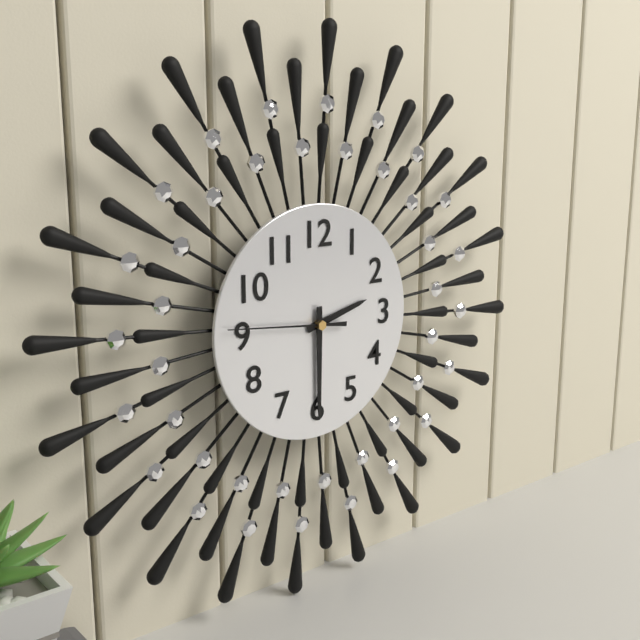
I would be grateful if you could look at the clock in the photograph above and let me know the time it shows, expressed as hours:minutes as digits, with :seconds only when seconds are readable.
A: 2:30:46
